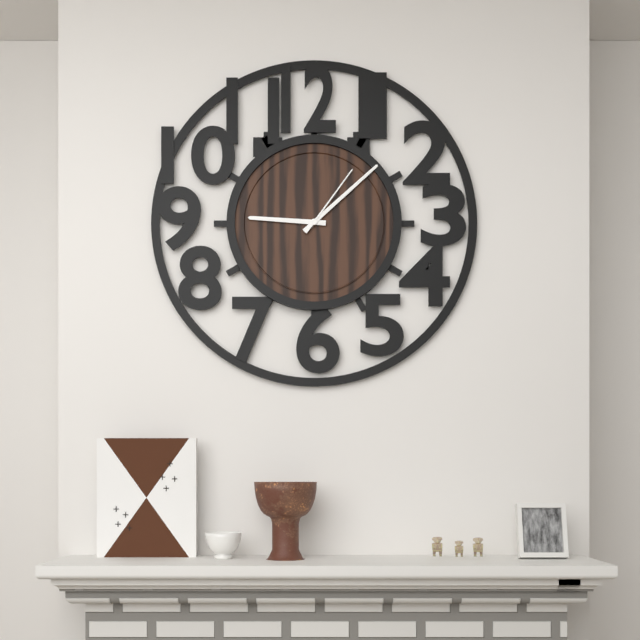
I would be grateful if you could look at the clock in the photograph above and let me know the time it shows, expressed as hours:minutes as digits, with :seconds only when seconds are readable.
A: 9:08:06
